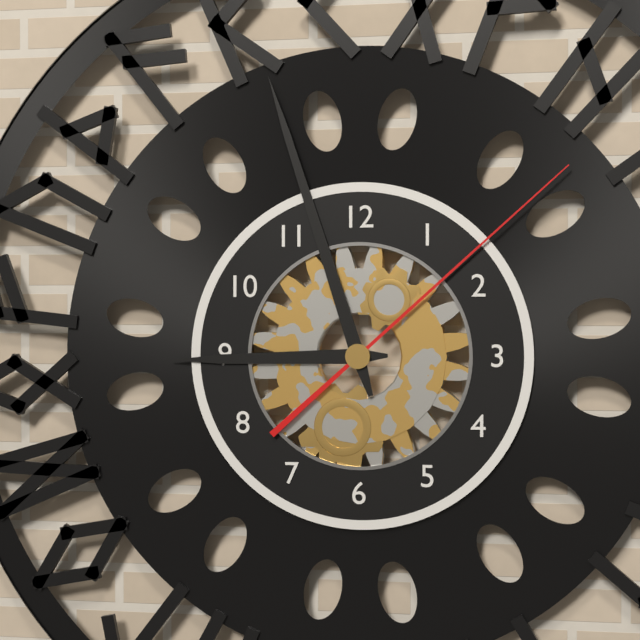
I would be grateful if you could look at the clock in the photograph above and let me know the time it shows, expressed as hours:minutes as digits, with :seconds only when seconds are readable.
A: 8:57:08
